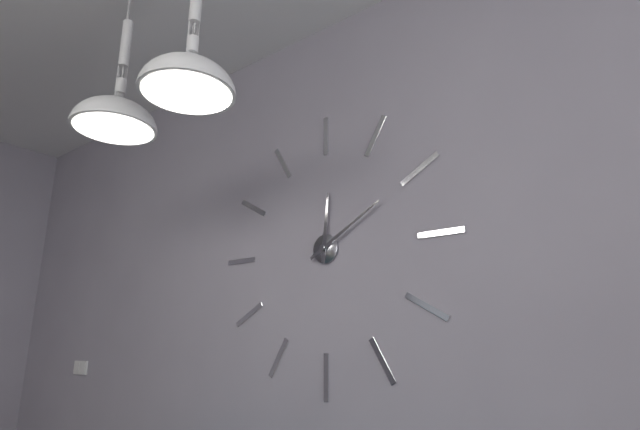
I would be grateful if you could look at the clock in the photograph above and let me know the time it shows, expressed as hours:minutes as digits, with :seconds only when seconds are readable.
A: 12:10
